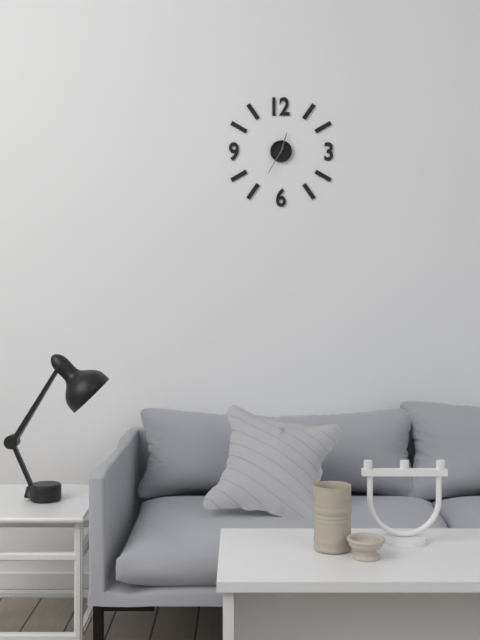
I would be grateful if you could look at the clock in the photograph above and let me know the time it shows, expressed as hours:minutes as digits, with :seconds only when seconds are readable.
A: 12:35
